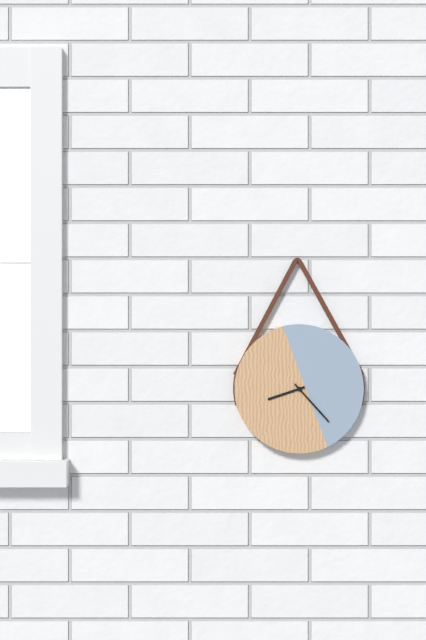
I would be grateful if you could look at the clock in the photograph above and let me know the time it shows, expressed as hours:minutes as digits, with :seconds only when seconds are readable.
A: 8:23
